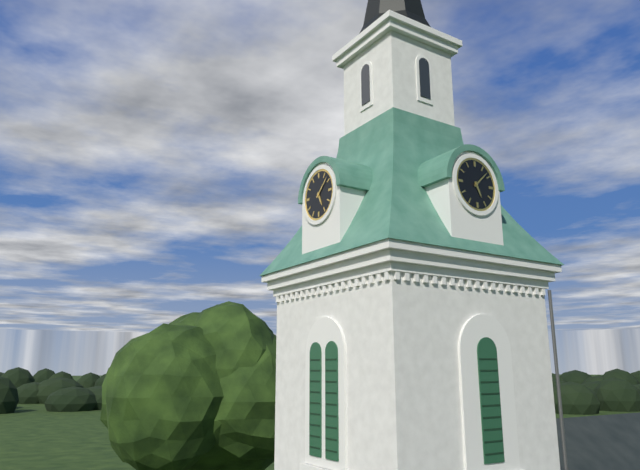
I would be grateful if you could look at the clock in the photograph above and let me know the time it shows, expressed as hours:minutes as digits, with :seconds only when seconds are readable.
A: 5:08
